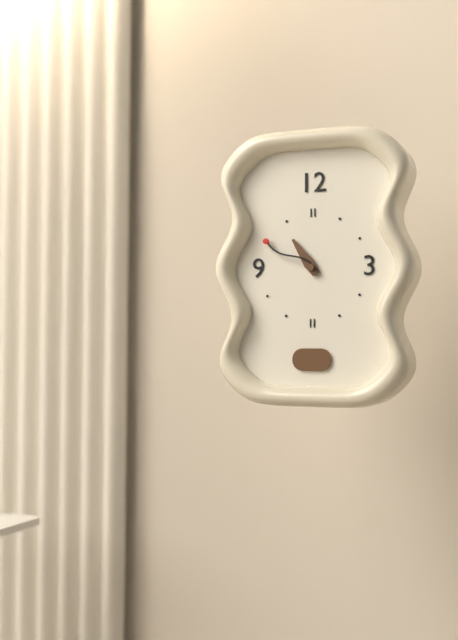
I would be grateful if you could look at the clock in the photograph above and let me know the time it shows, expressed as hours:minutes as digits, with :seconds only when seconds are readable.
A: 10:50
